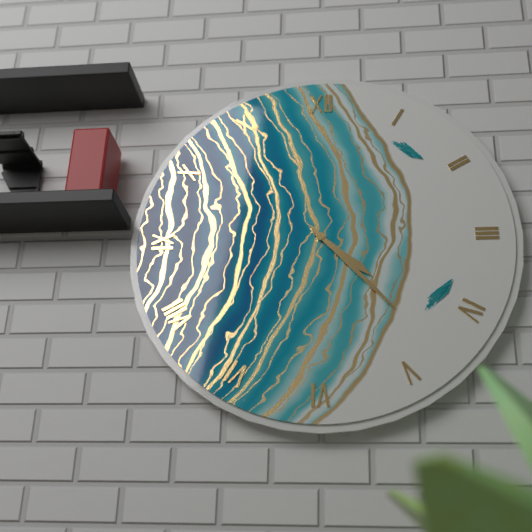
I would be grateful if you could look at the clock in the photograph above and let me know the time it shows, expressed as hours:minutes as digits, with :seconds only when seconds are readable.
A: 4:23
